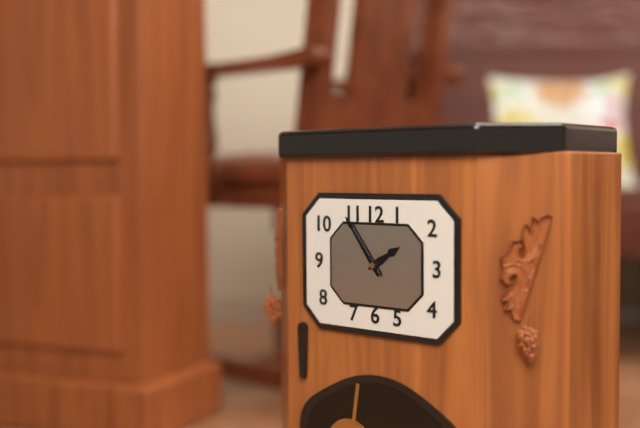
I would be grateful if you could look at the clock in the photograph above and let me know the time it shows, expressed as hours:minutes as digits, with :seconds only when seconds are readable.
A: 1:54
